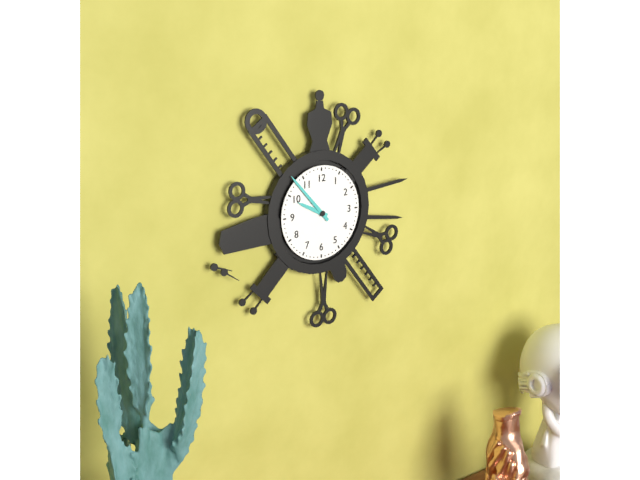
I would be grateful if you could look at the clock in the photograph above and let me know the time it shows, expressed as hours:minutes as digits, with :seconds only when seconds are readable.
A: 9:53
